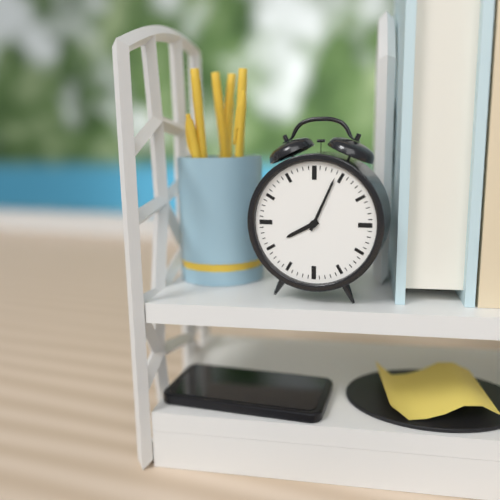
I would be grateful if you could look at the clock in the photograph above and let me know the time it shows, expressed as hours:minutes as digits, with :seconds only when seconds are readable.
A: 8:04
